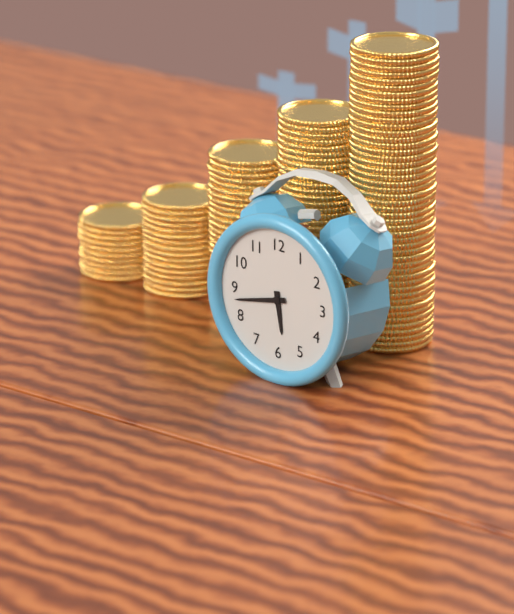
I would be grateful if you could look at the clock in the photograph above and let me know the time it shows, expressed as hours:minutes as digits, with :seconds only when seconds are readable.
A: 5:43
